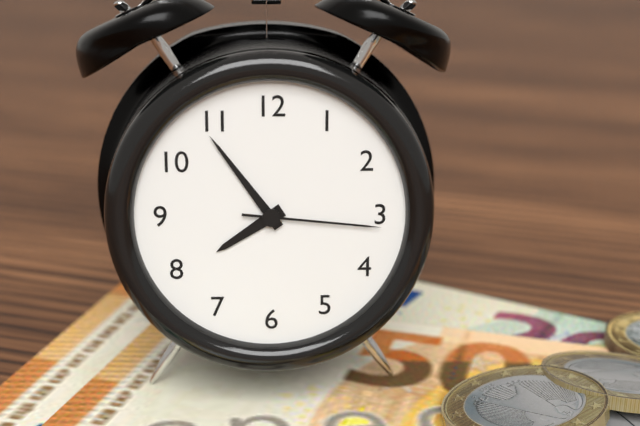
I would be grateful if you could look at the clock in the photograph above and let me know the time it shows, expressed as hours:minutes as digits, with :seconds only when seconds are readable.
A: 7:54:16
